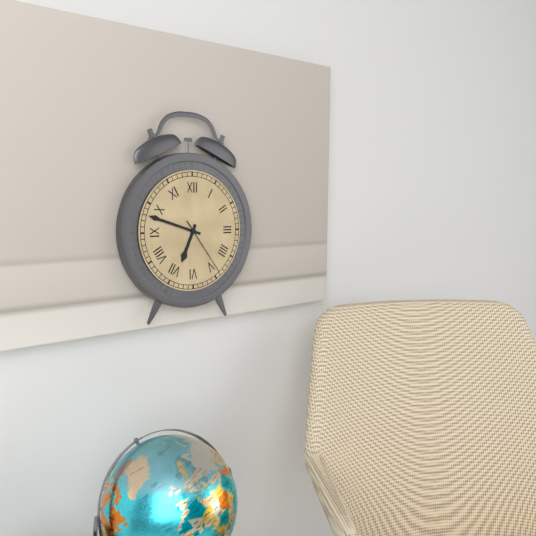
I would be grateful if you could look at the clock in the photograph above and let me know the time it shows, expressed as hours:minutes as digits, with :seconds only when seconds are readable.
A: 6:48:24
